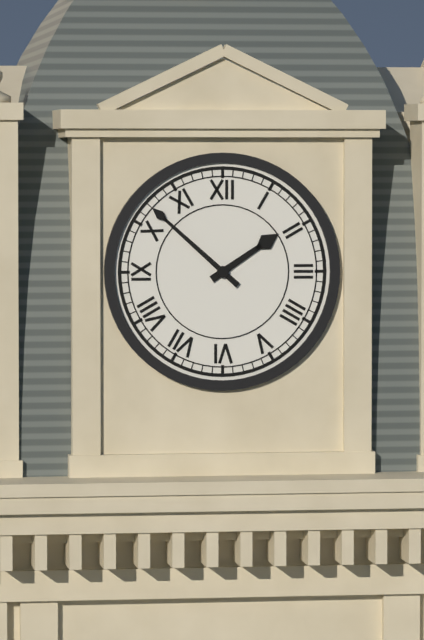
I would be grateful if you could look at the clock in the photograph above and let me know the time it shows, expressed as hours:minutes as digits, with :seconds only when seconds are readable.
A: 1:52
